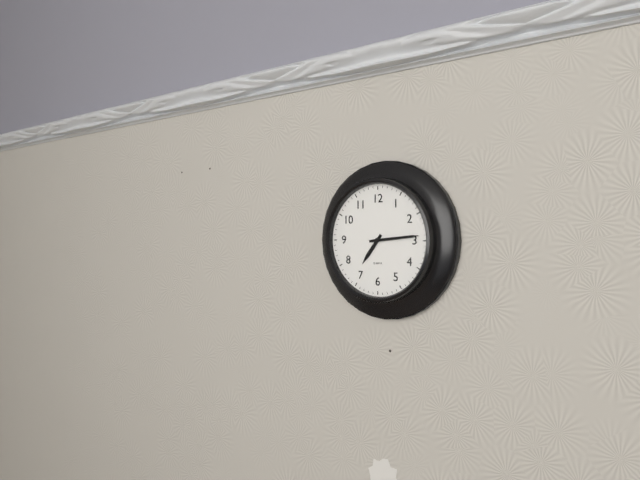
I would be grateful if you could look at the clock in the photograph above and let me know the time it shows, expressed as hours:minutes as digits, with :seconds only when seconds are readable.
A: 7:14
